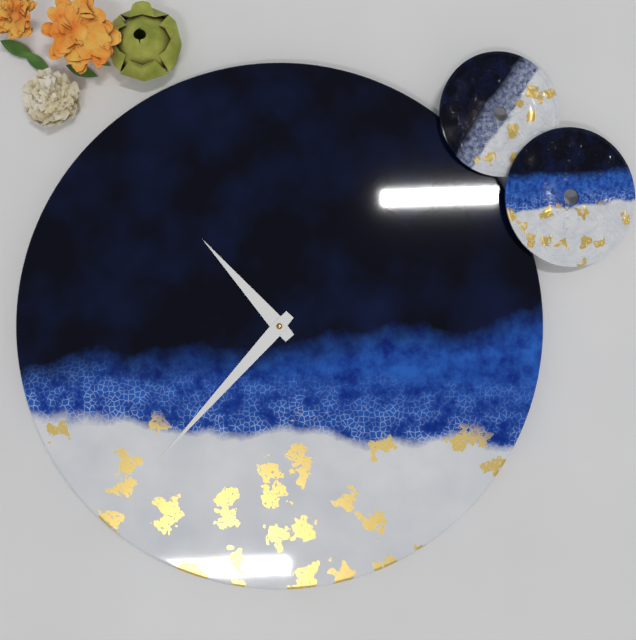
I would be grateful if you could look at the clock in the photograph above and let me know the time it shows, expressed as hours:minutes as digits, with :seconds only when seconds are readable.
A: 10:37
